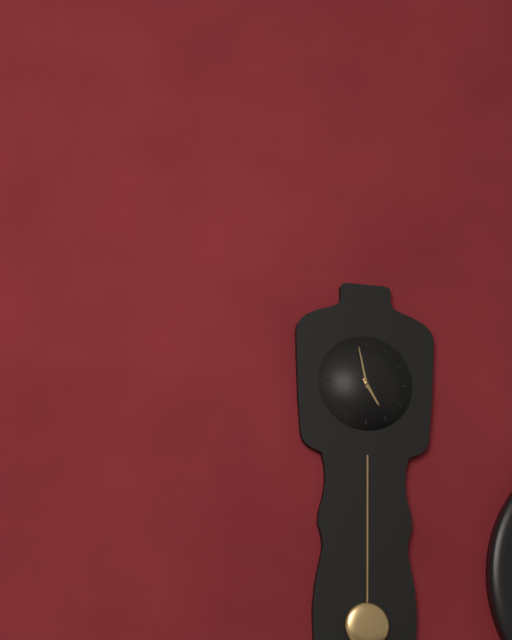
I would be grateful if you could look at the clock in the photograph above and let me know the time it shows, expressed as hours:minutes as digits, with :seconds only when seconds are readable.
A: 4:58
